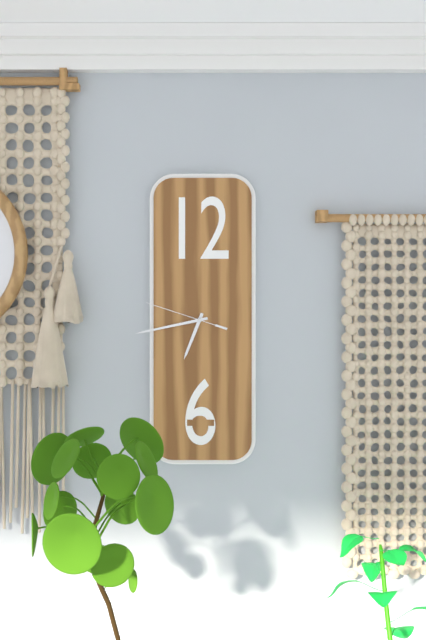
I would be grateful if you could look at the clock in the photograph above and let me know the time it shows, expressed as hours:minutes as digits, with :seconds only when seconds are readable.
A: 6:43:48
